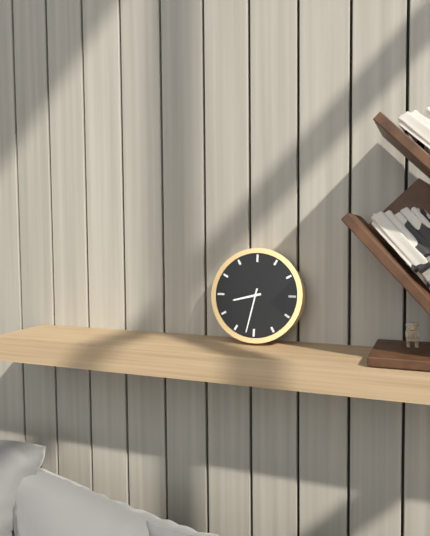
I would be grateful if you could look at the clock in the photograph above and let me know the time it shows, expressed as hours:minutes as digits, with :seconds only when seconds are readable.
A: 8:32
